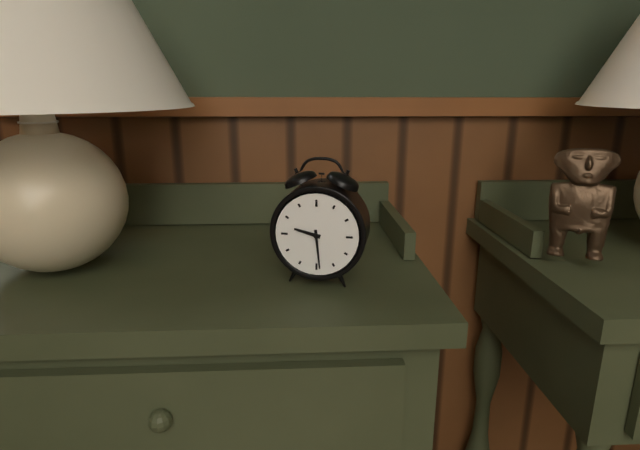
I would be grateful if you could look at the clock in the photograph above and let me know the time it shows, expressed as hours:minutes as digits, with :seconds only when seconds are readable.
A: 9:29
